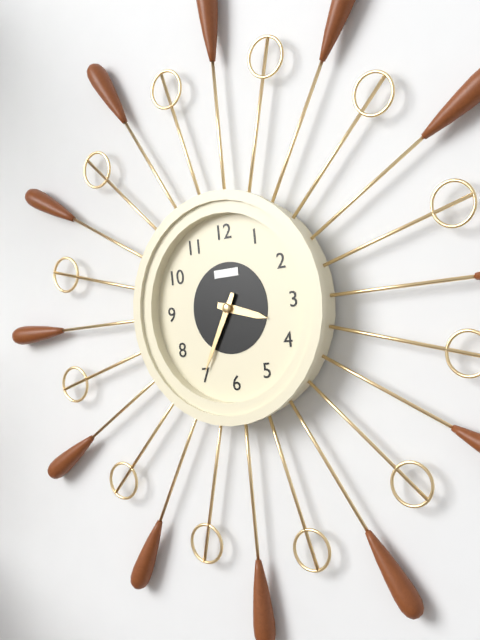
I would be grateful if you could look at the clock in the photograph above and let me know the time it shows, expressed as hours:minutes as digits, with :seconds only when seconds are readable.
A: 3:35
